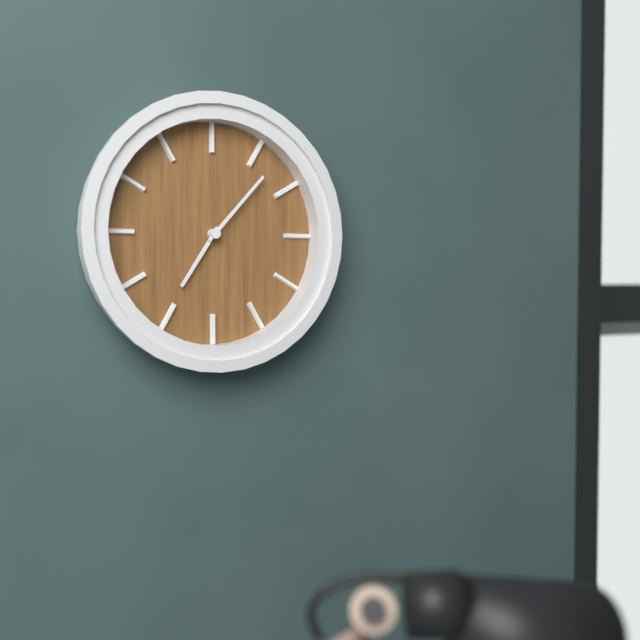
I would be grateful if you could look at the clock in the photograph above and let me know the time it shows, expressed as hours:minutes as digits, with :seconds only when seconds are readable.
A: 7:07
